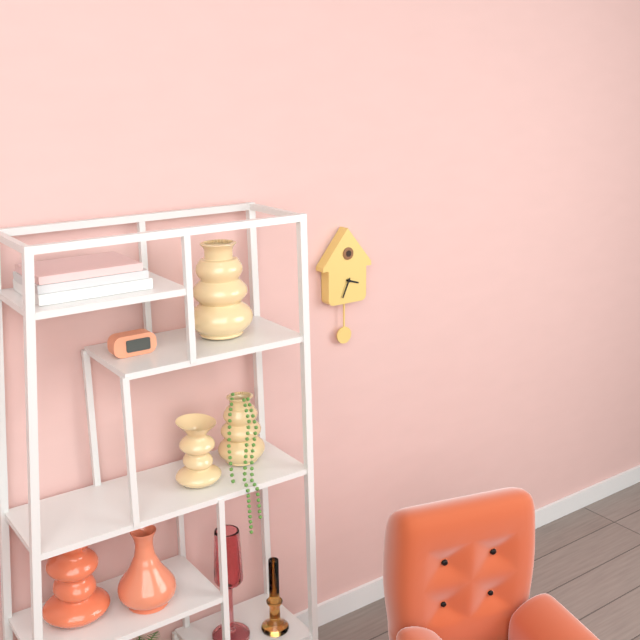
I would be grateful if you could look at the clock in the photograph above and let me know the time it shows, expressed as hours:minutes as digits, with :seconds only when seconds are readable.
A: 3:34
